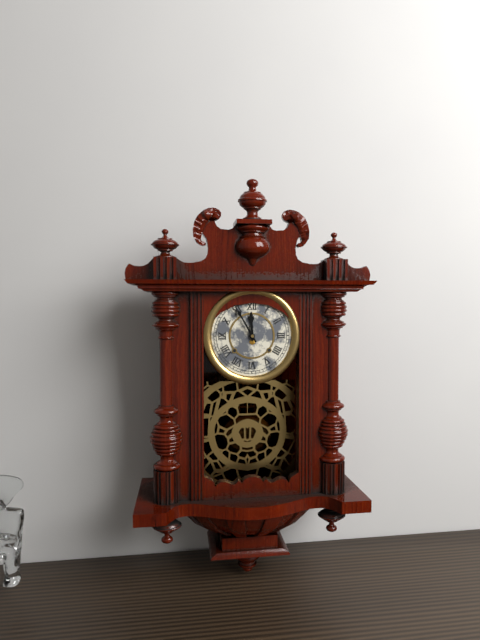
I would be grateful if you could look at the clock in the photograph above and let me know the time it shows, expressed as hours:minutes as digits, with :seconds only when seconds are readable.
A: 11:55
